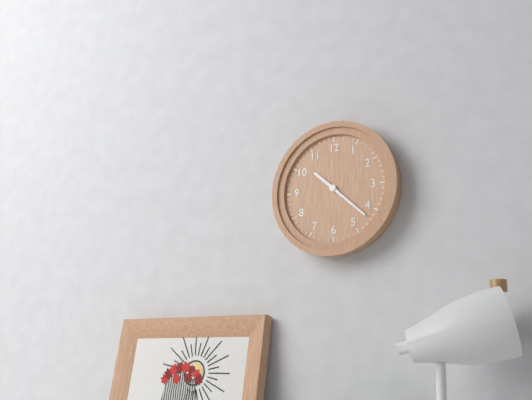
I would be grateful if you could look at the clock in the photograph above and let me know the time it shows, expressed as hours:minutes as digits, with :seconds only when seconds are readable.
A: 10:22
